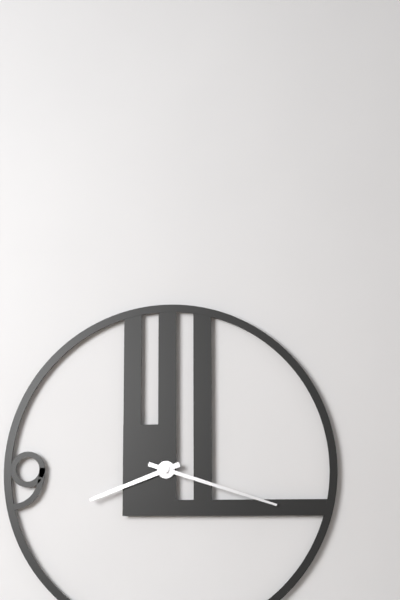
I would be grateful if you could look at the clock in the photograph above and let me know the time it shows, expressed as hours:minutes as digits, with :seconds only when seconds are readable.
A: 8:18
